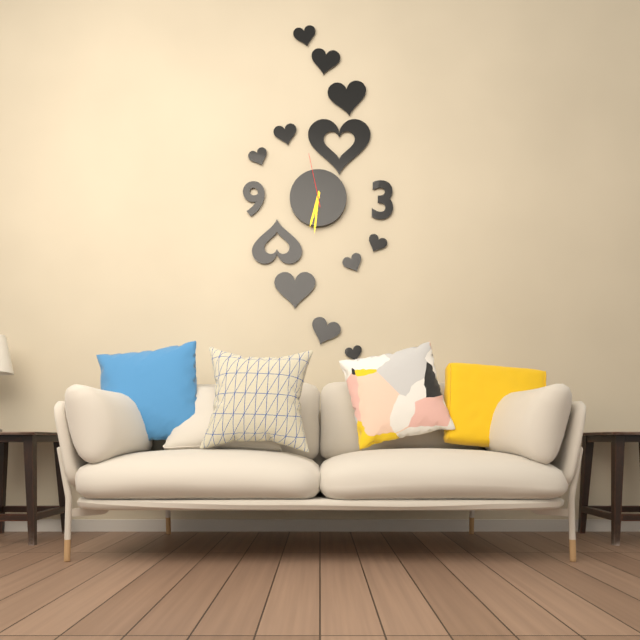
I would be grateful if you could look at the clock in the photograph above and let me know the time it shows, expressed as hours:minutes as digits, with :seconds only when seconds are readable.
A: 6:31:58
